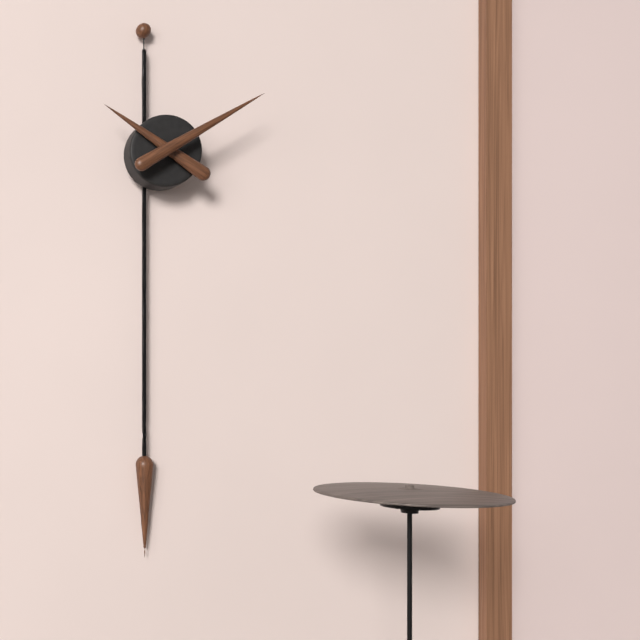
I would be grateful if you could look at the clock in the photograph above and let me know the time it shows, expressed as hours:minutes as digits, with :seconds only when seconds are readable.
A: 10:10
